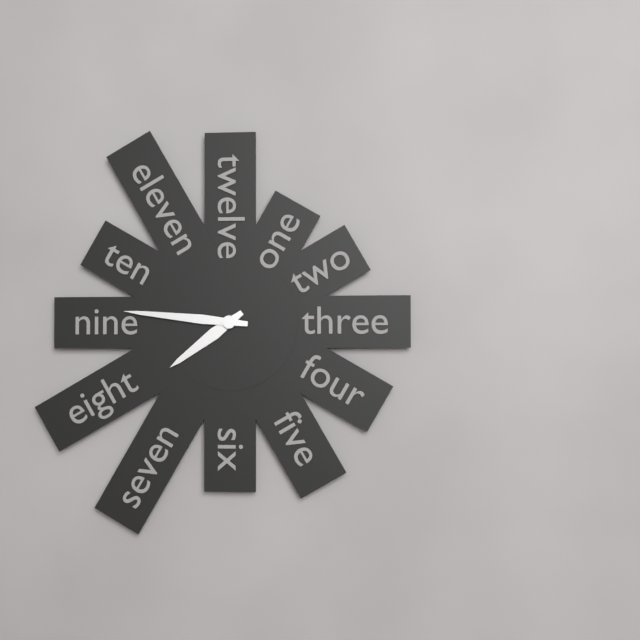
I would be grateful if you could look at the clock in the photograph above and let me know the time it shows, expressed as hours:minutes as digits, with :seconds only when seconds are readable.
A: 7:46
